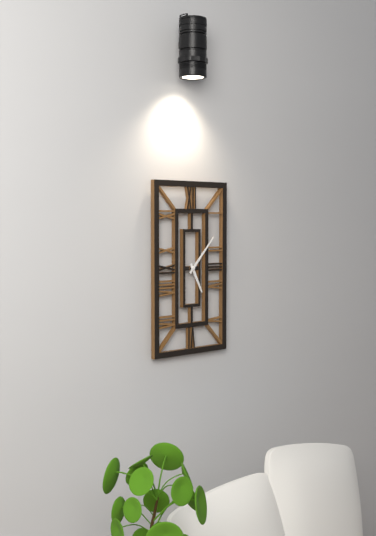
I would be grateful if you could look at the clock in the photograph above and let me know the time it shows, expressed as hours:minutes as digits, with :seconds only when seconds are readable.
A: 5:07
